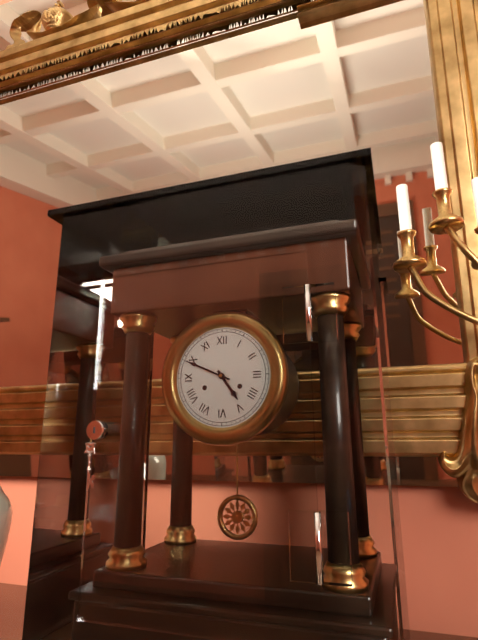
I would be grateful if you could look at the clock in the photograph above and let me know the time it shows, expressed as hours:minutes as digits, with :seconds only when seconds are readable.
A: 4:49
